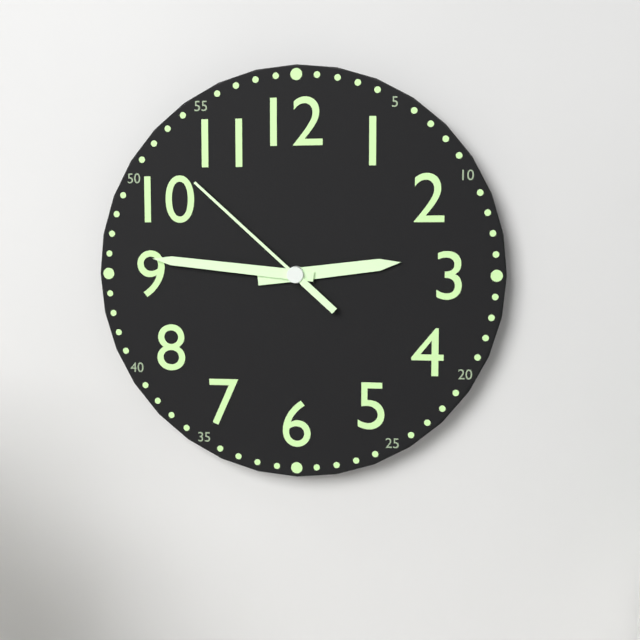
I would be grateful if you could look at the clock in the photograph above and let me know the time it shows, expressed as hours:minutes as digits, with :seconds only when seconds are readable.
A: 2:46:52
